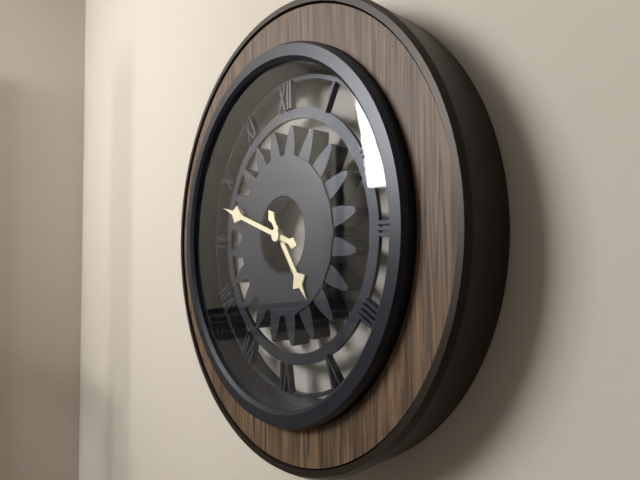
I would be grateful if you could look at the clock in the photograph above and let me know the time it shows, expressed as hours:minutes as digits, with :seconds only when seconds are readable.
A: 4:48
